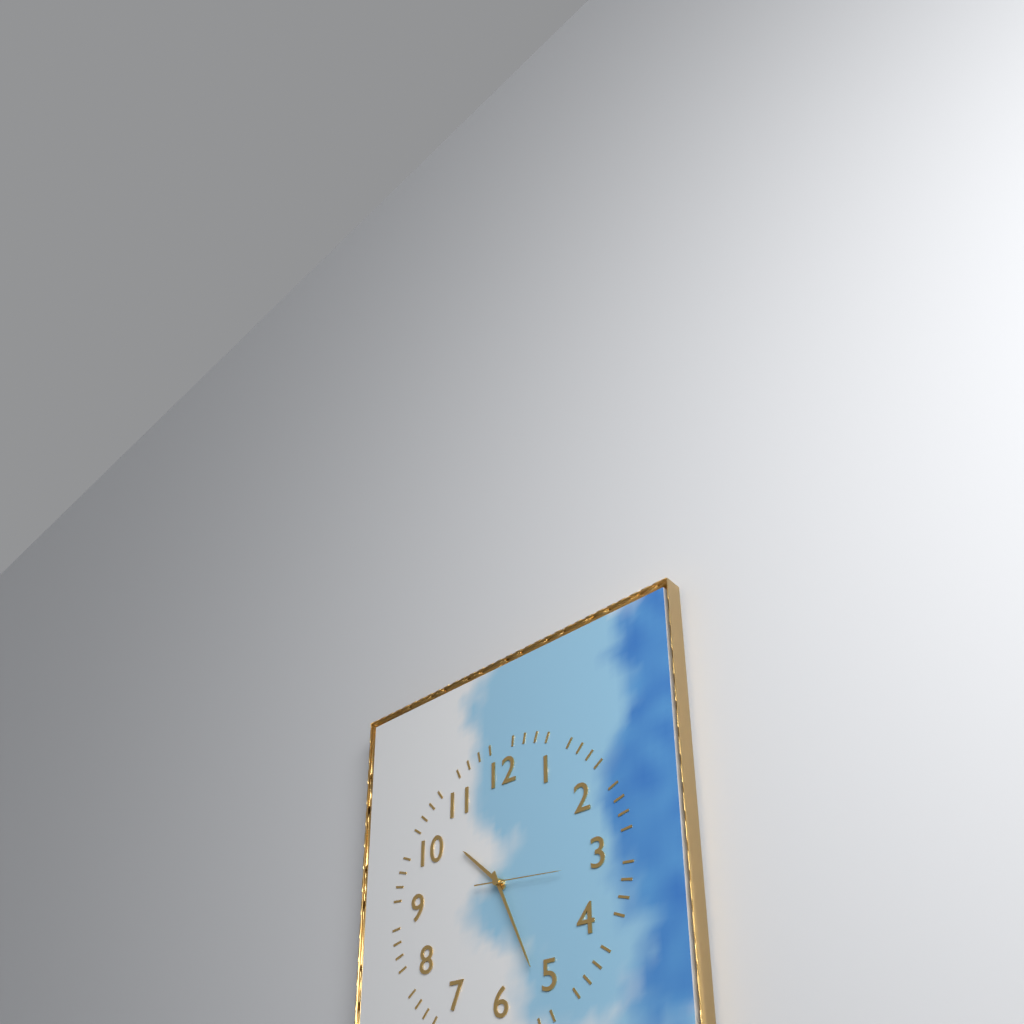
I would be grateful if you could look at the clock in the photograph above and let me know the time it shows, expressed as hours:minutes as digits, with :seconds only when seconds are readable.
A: 10:26:16
